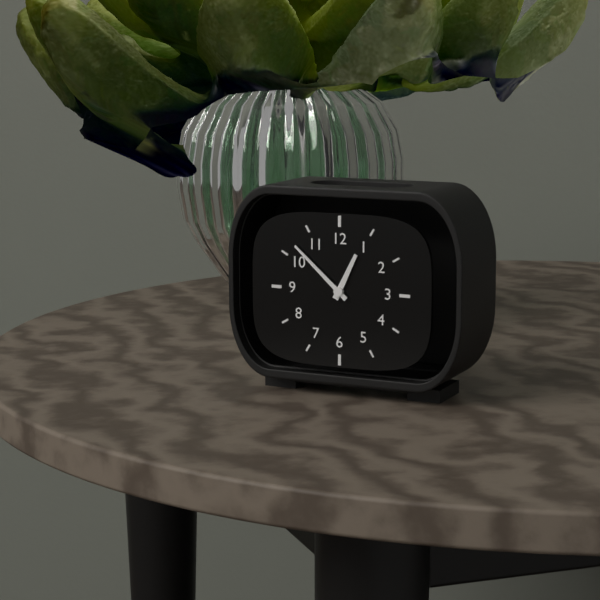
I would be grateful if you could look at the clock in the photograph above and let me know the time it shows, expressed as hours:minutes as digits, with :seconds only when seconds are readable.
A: 12:52
